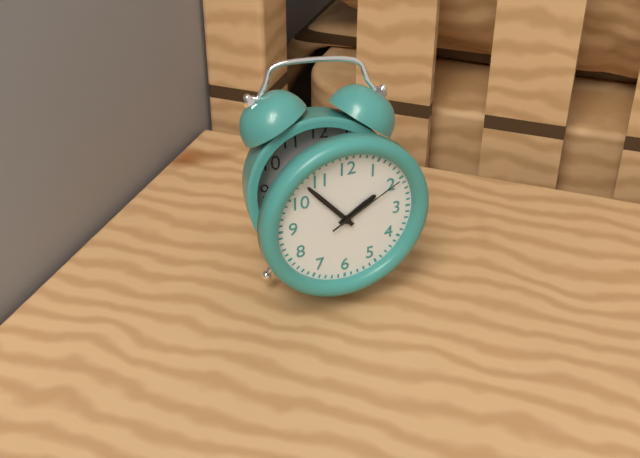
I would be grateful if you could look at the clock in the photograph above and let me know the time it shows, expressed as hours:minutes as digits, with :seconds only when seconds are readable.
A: 1:53:10
